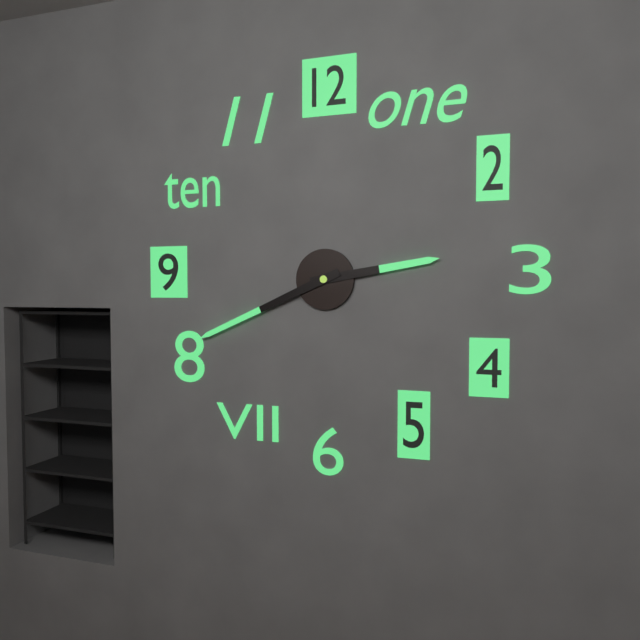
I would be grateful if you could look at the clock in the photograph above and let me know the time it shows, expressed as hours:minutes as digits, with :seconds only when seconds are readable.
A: 2:41
